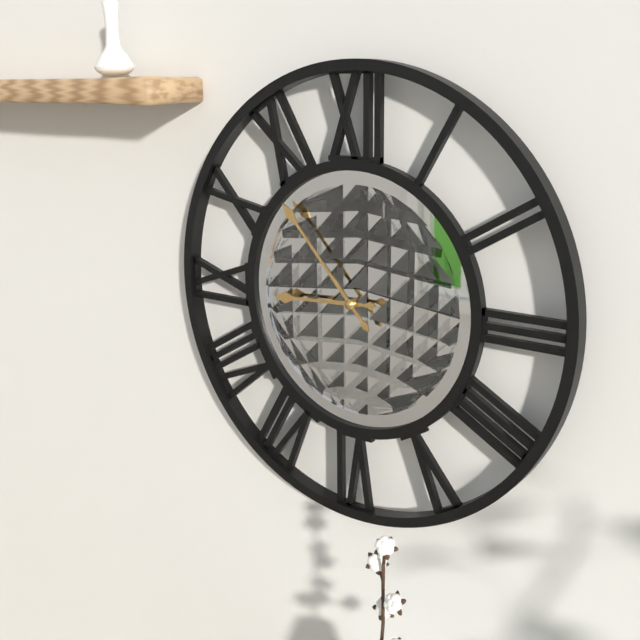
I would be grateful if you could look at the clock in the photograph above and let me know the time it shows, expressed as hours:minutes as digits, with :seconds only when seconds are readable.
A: 8:53
